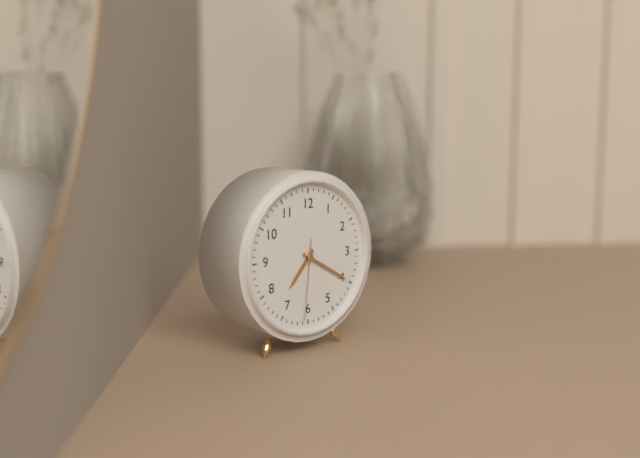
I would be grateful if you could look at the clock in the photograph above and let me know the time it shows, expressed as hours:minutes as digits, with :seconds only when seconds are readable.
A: 7:20:31
